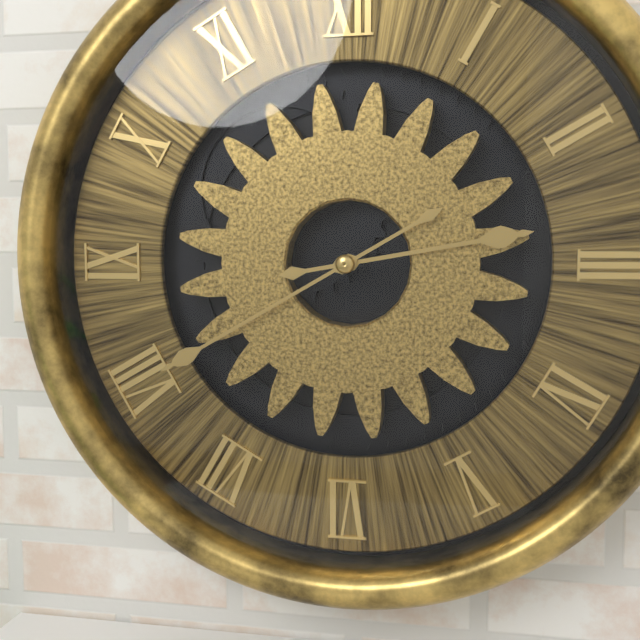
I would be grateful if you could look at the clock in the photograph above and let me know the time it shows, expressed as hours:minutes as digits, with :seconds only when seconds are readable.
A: 2:40
